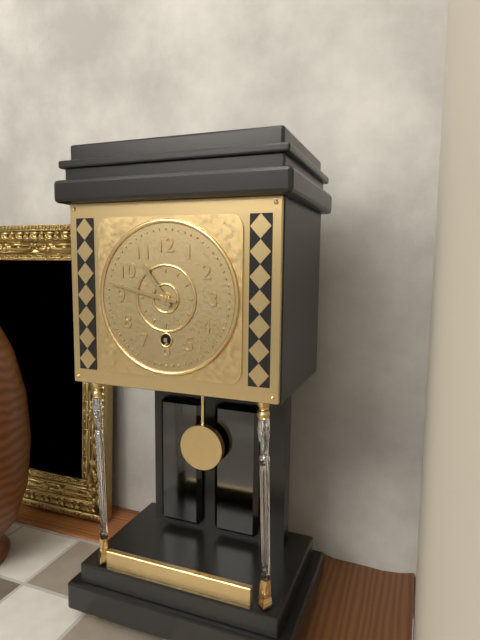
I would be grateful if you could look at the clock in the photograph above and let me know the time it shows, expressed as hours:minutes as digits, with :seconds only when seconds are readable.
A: 10:47
